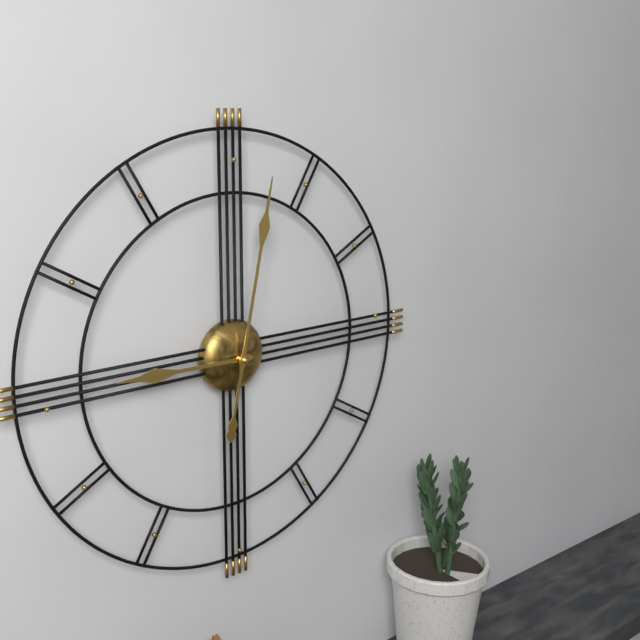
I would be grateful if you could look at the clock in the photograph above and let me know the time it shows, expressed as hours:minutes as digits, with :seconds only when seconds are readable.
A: 9:02
